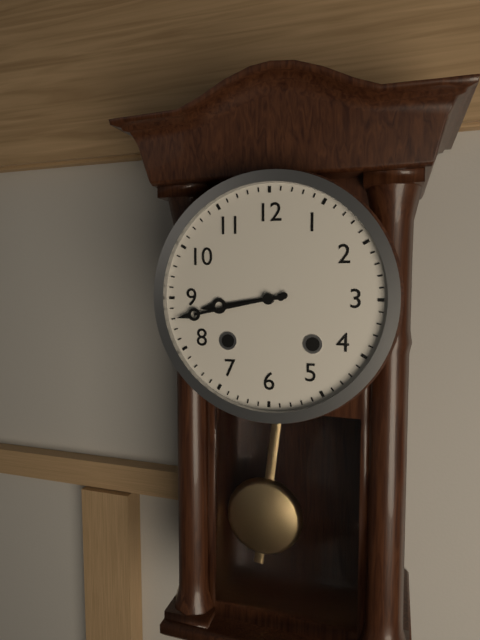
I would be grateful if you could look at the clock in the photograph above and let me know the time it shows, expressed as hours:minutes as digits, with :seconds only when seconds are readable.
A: 8:43
